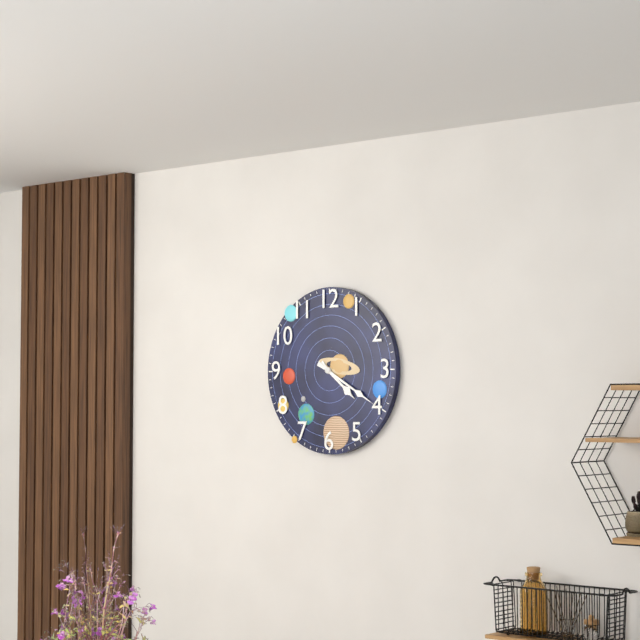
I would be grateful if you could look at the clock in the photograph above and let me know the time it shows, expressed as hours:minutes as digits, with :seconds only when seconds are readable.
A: 4:20
